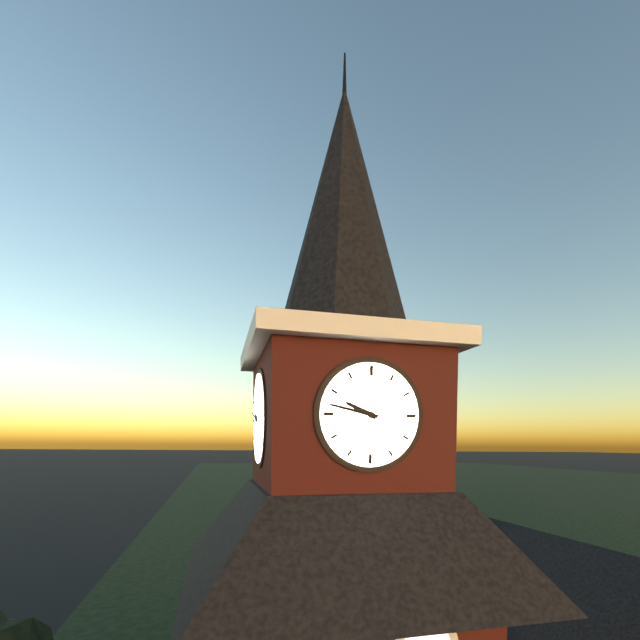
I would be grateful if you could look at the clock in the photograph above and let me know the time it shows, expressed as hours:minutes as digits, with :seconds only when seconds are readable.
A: 9:47
